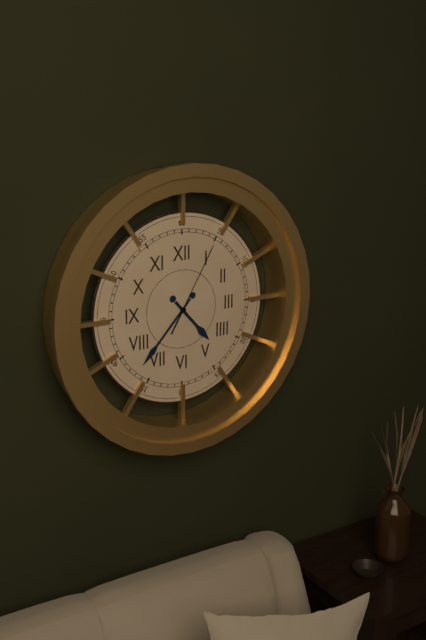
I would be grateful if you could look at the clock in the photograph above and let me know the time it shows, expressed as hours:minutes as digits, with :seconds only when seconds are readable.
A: 4:37:05
